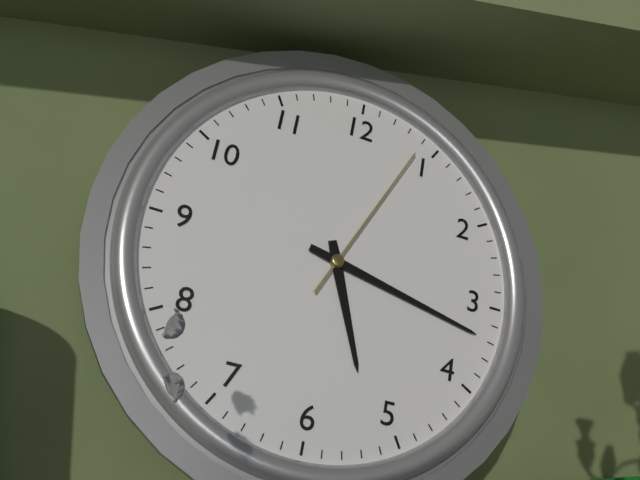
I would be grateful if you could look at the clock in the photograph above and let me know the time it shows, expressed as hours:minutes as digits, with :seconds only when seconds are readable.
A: 5:17:04
